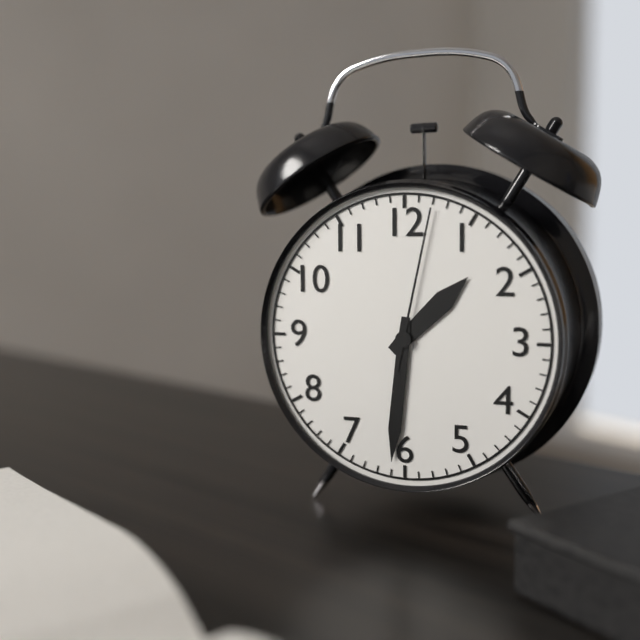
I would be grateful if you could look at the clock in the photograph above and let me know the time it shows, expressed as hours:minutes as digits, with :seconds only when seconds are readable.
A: 1:31:02
